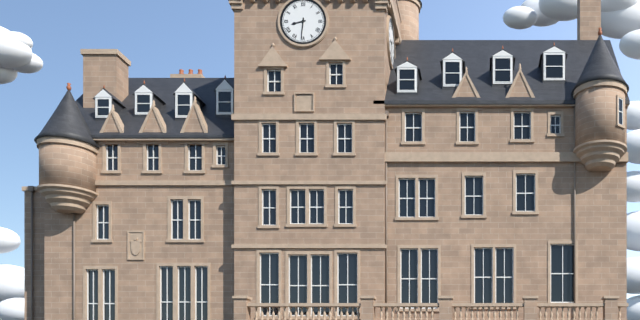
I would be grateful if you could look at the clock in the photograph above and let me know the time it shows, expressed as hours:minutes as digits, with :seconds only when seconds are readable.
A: 8:31
